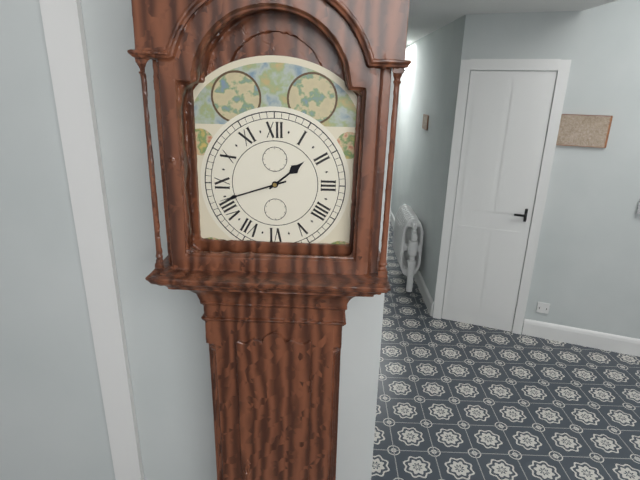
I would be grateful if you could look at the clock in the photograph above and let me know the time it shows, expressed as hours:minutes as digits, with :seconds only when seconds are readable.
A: 1:42
